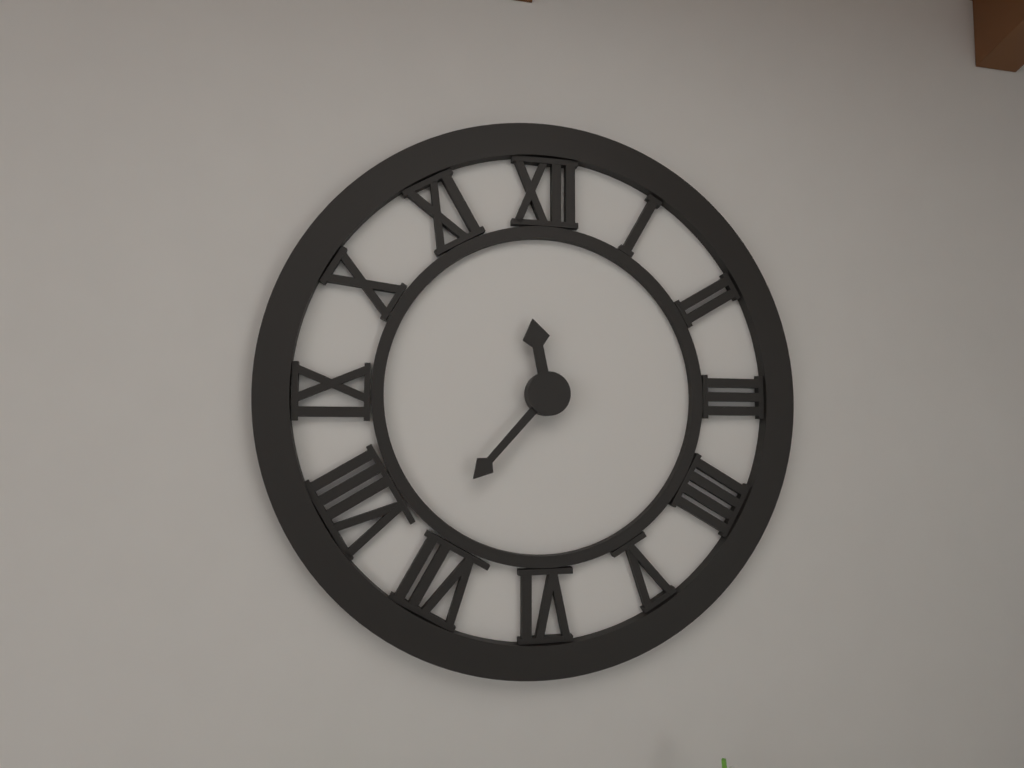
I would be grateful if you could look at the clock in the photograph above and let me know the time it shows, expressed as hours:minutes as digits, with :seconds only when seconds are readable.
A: 11:37
